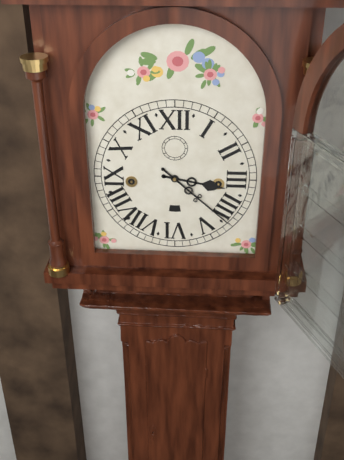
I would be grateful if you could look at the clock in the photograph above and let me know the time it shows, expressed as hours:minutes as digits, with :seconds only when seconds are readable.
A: 3:22
